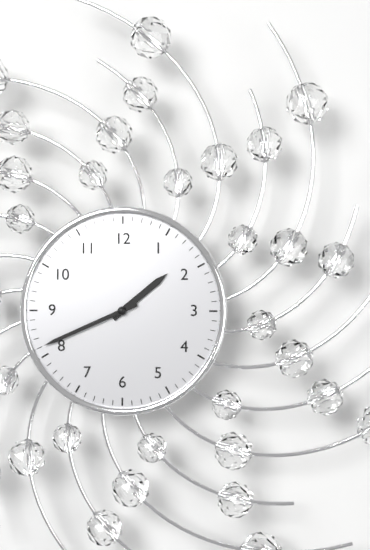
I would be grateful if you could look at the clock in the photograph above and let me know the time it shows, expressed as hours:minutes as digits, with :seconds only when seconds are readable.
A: 1:41
